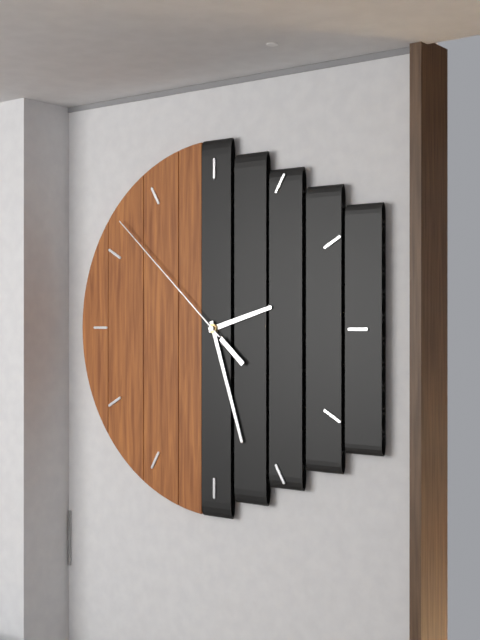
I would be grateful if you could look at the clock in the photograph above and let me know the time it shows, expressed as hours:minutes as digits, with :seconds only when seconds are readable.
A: 2:27:52
